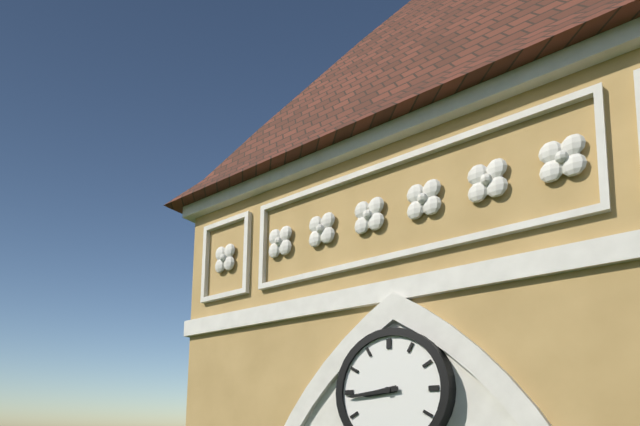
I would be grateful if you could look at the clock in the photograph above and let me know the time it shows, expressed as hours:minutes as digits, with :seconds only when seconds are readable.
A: 8:44
